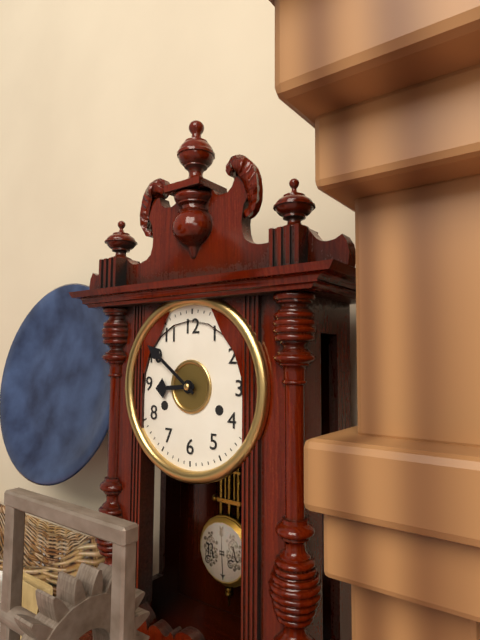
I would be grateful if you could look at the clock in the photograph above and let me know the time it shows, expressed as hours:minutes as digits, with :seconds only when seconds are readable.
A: 8:51
